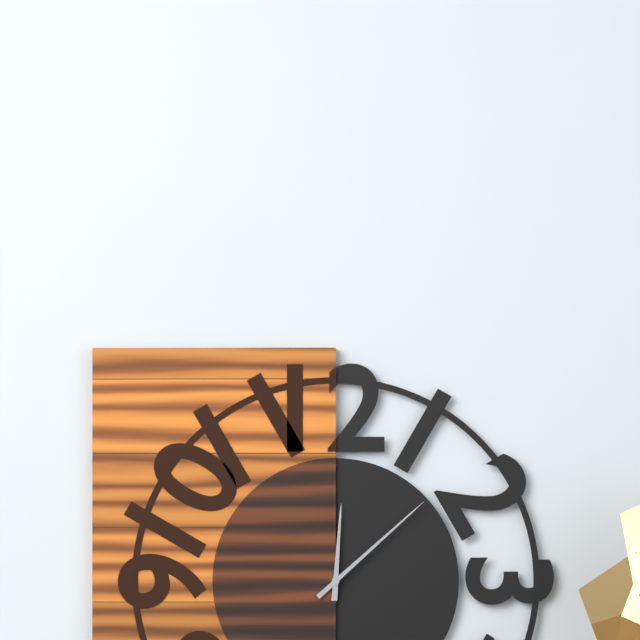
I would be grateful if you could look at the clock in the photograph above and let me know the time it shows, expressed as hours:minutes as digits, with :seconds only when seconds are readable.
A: 12:08
